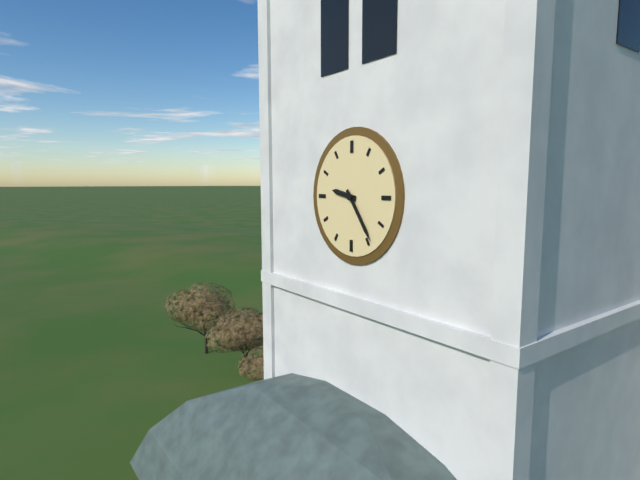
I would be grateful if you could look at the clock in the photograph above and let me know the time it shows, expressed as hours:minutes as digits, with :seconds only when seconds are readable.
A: 9:24
